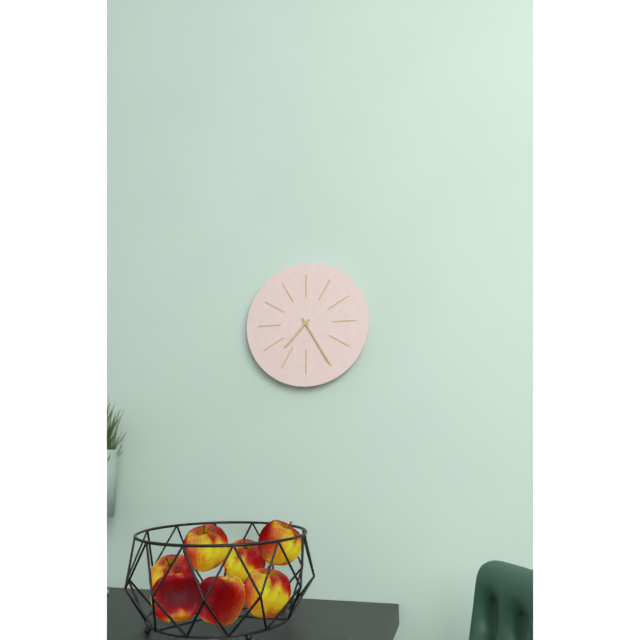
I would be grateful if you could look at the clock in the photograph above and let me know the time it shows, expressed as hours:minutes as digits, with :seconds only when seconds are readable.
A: 7:25
